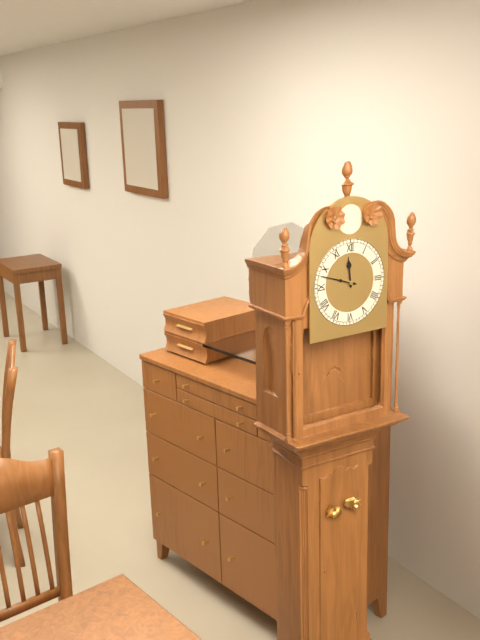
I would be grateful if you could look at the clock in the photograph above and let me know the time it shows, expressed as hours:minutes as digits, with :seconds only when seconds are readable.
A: 11:48
